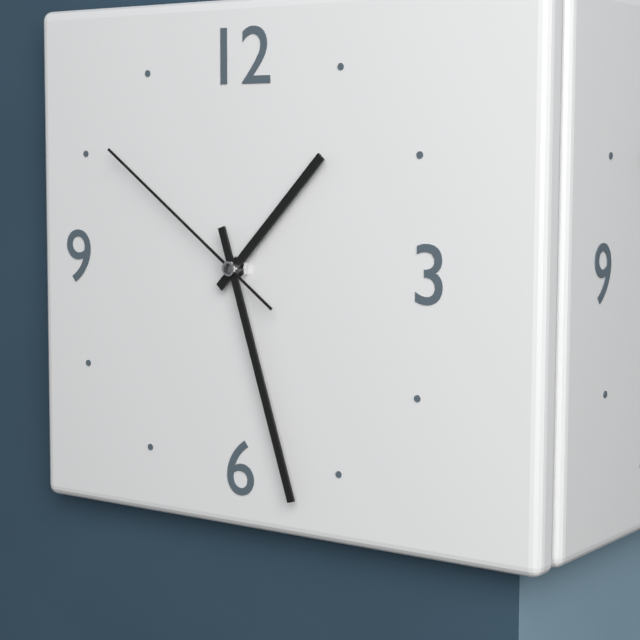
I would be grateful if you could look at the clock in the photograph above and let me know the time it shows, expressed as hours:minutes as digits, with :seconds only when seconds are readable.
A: 1:27:51
